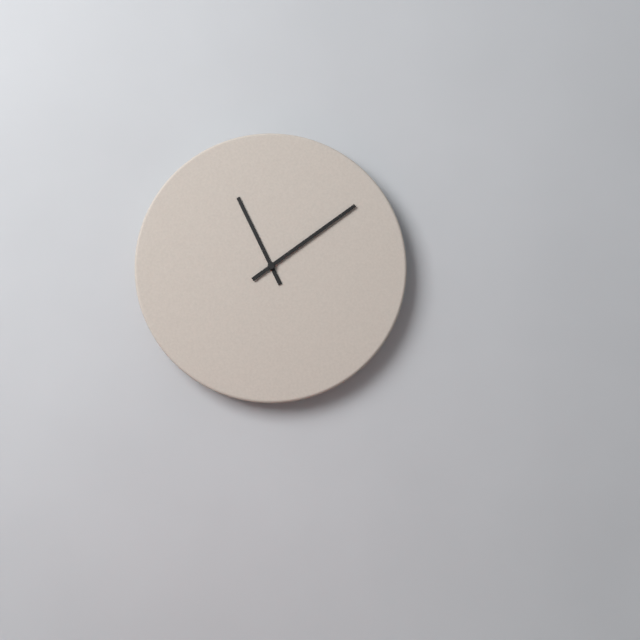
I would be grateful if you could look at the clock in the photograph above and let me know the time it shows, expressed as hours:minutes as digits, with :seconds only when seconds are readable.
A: 11:09
